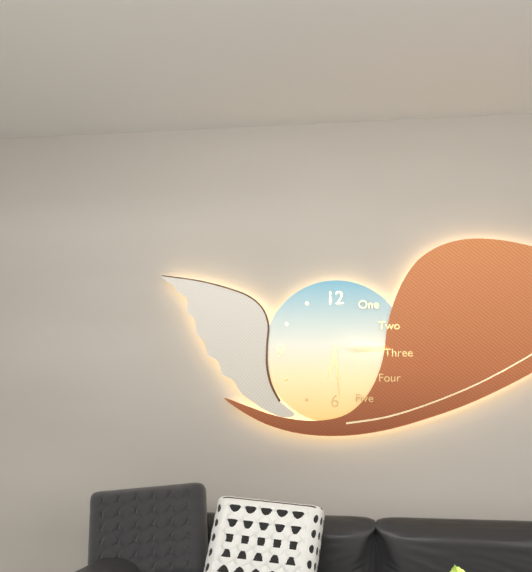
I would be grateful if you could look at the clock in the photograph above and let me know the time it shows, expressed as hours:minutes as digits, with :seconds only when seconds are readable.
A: 6:29
